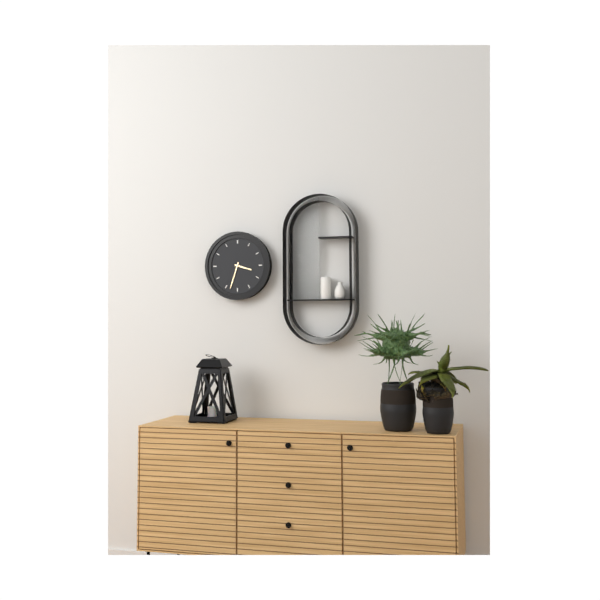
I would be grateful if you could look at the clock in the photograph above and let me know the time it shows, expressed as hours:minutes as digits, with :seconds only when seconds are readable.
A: 3:33
